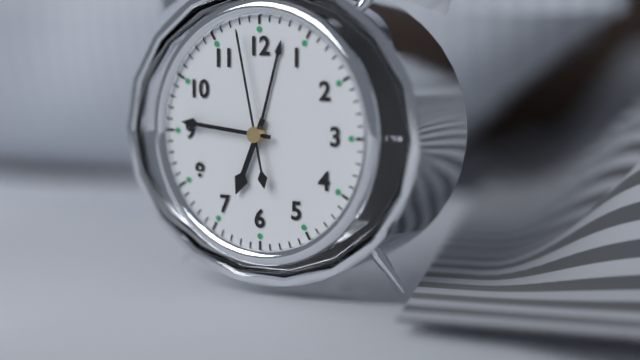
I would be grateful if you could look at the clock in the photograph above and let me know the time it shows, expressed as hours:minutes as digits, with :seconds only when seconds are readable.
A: 6:46:58
